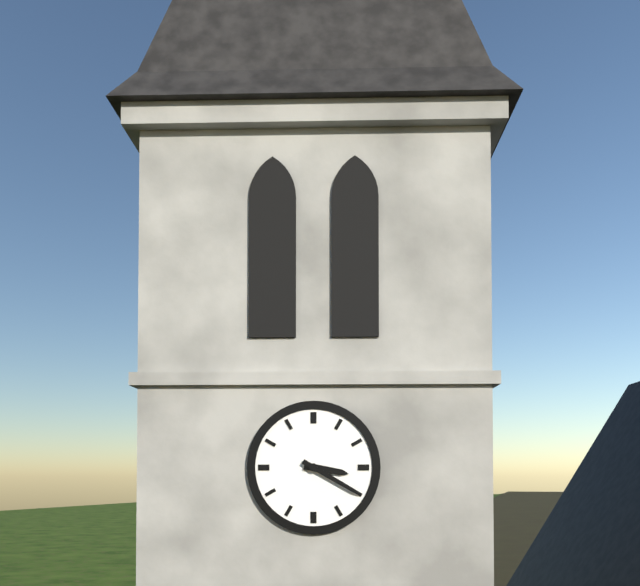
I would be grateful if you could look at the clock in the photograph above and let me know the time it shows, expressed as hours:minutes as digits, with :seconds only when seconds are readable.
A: 3:20
